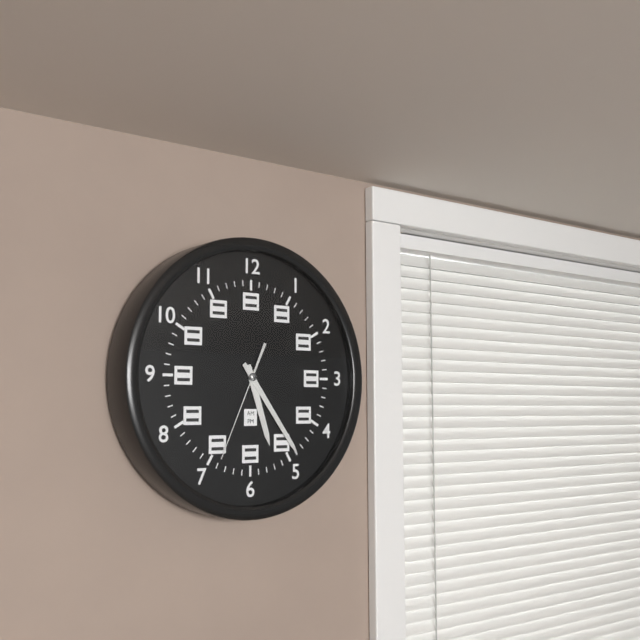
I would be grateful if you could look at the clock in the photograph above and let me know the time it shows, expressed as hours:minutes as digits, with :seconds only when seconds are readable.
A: 5:24:34
